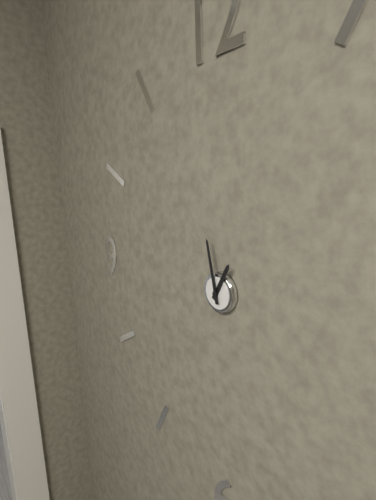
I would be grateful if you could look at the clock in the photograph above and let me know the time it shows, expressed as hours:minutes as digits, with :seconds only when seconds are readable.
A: 12:58
